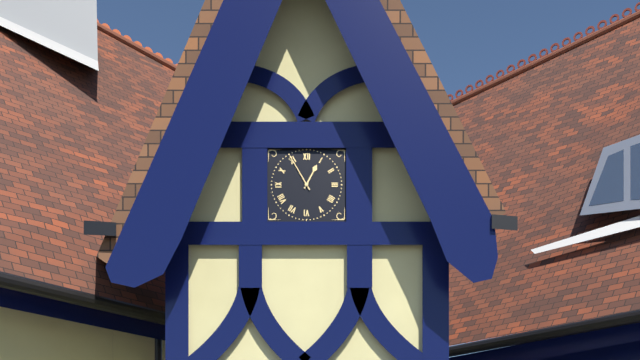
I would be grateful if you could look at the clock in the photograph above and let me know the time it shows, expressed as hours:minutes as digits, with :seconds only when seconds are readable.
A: 12:55
